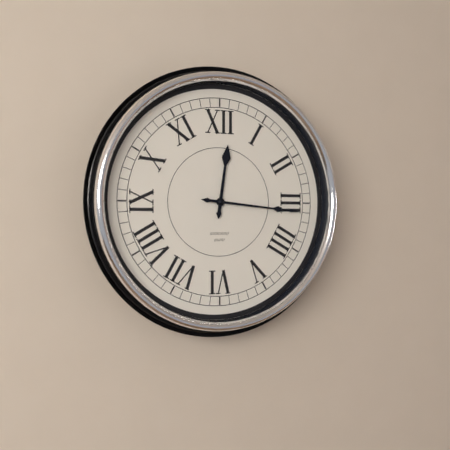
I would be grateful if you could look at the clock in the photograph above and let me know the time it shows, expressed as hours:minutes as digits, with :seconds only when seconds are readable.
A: 12:16
